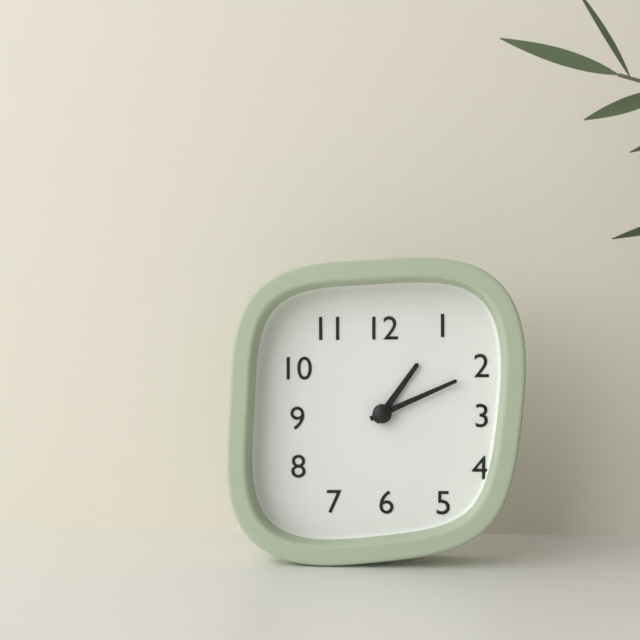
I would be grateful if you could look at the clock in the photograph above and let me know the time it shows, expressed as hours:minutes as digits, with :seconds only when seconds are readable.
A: 1:11
